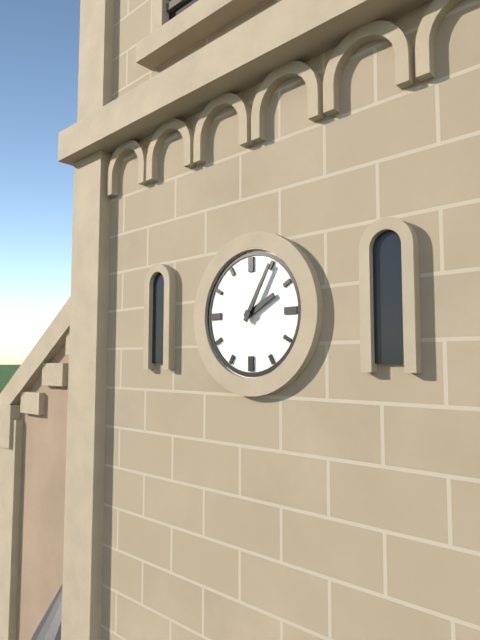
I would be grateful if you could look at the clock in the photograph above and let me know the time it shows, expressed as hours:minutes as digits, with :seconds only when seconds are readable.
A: 2:05
